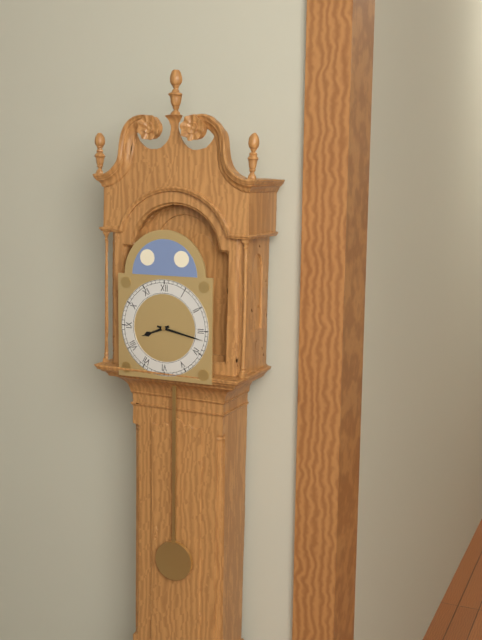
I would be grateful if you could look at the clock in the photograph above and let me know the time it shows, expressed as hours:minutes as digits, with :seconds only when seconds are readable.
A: 8:17
